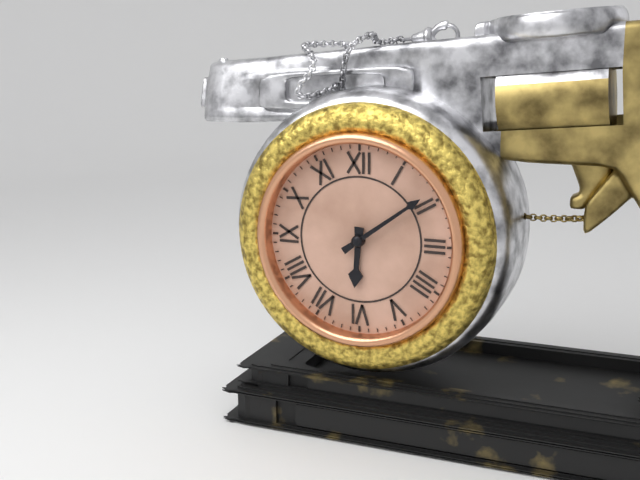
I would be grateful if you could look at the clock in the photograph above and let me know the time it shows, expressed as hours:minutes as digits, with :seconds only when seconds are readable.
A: 6:09
